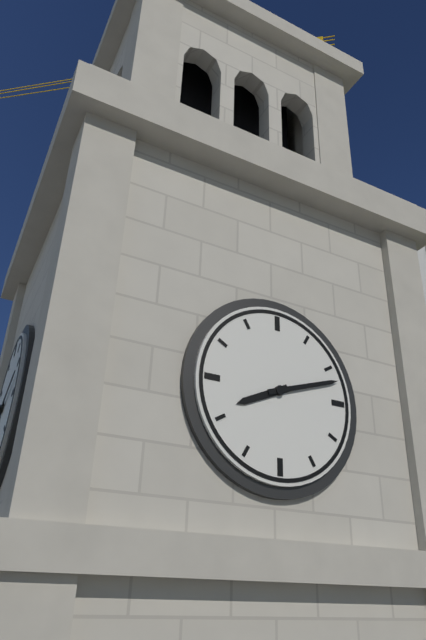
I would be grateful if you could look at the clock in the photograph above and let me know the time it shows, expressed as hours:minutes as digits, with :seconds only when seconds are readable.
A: 8:12
